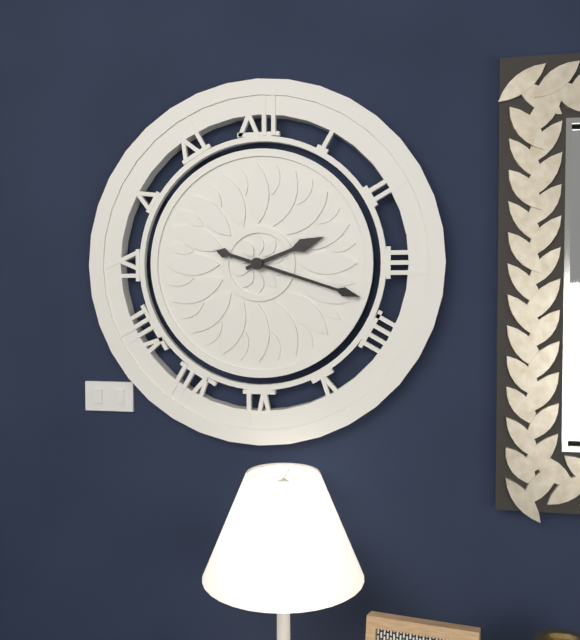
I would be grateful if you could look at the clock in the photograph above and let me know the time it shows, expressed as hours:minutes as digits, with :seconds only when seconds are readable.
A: 2:18
